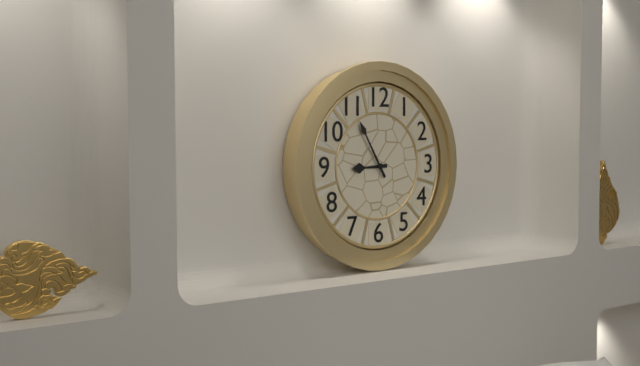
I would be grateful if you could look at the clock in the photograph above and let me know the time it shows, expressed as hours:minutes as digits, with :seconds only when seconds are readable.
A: 8:55
